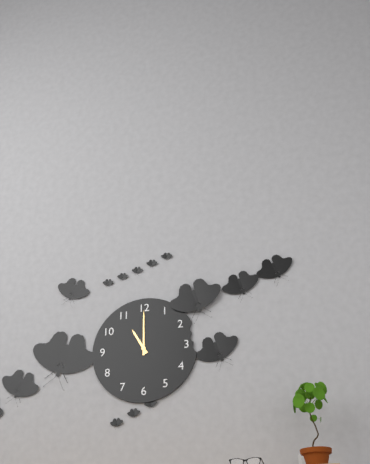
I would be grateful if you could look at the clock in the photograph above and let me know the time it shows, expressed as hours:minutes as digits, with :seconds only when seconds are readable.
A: 11:00
